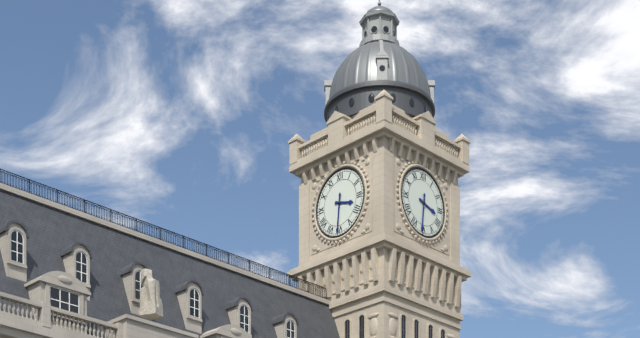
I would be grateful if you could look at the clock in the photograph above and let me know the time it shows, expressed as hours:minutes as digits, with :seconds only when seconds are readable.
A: 3:31
